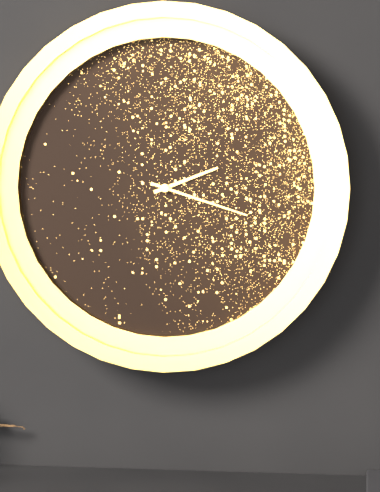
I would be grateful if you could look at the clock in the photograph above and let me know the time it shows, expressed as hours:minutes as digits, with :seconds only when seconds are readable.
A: 2:18
